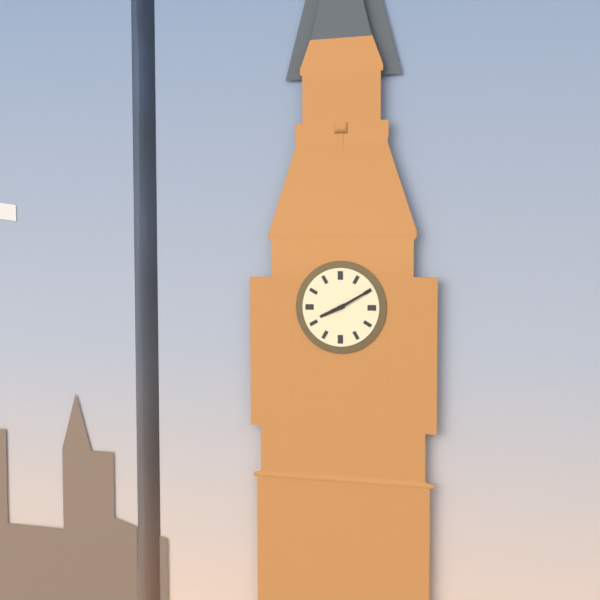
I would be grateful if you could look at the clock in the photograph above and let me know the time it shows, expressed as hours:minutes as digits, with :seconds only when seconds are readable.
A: 8:10
